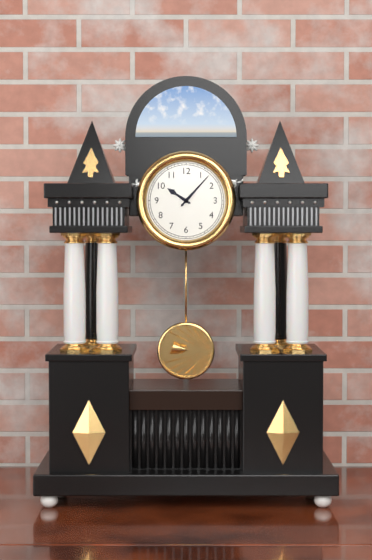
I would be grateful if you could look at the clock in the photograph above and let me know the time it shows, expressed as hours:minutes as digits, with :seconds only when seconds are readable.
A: 10:07
